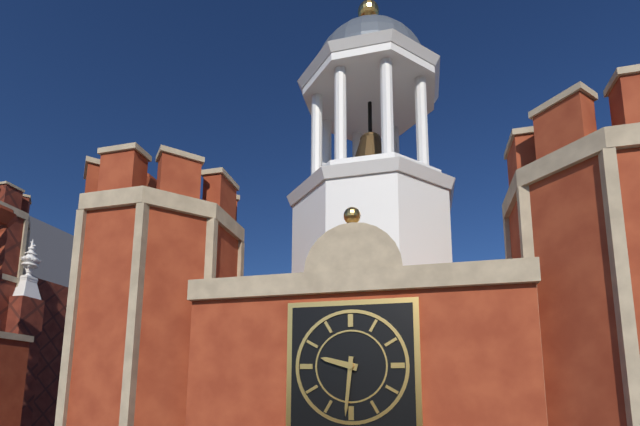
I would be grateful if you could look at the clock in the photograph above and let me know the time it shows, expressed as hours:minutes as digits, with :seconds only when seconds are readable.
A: 9:31
